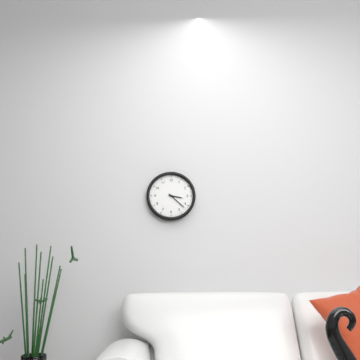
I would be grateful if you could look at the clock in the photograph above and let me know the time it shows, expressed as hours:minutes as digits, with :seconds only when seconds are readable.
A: 3:22
